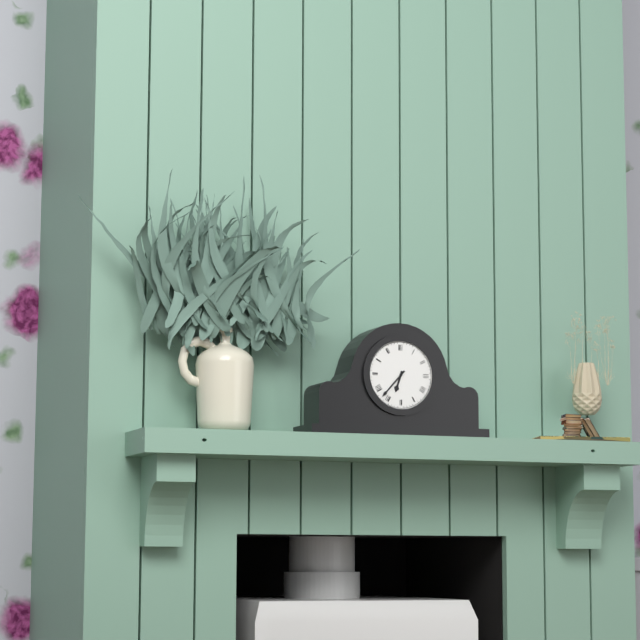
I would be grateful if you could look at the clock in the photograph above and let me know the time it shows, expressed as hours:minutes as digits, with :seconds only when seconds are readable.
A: 6:37
